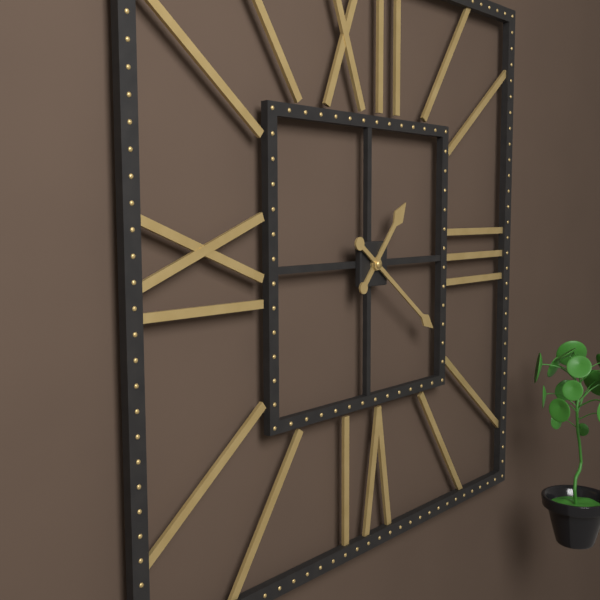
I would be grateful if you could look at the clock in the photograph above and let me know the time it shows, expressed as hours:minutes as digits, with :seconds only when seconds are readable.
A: 1:21
